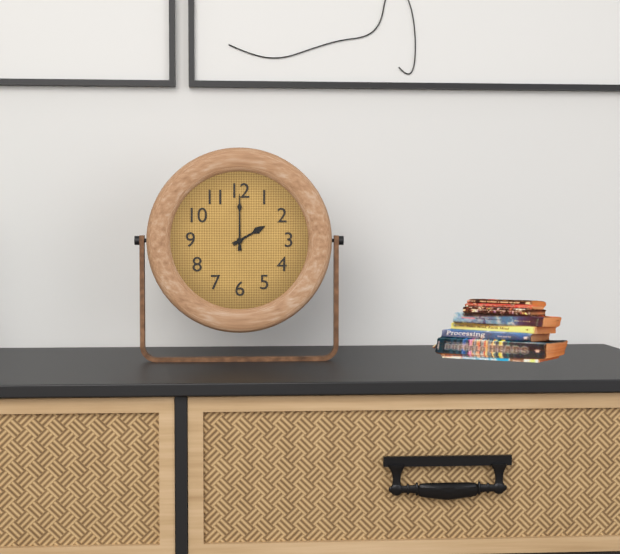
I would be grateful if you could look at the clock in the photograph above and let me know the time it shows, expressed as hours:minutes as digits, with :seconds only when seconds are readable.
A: 2:00
